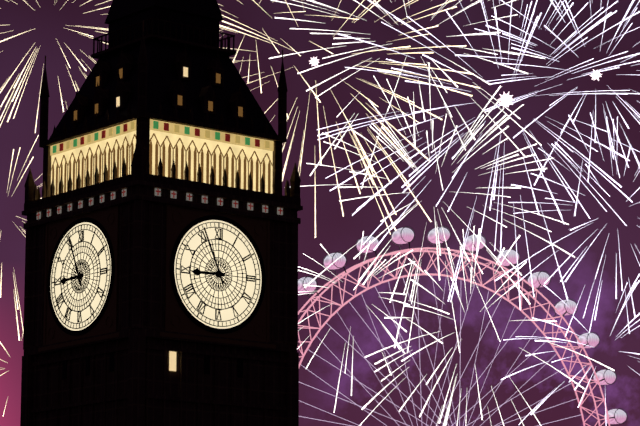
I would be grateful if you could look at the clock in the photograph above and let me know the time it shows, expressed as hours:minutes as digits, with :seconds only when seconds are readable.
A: 8:56
